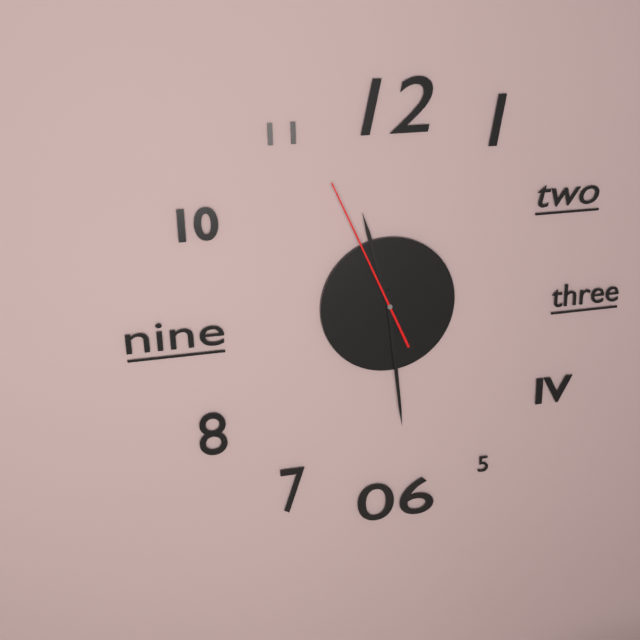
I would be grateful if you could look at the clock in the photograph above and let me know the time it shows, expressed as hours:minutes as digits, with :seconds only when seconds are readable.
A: 11:29:56
